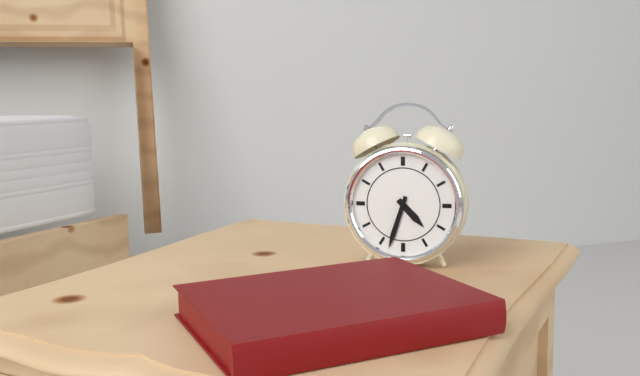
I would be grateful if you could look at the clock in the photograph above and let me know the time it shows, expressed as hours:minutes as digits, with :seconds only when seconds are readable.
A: 4:33
